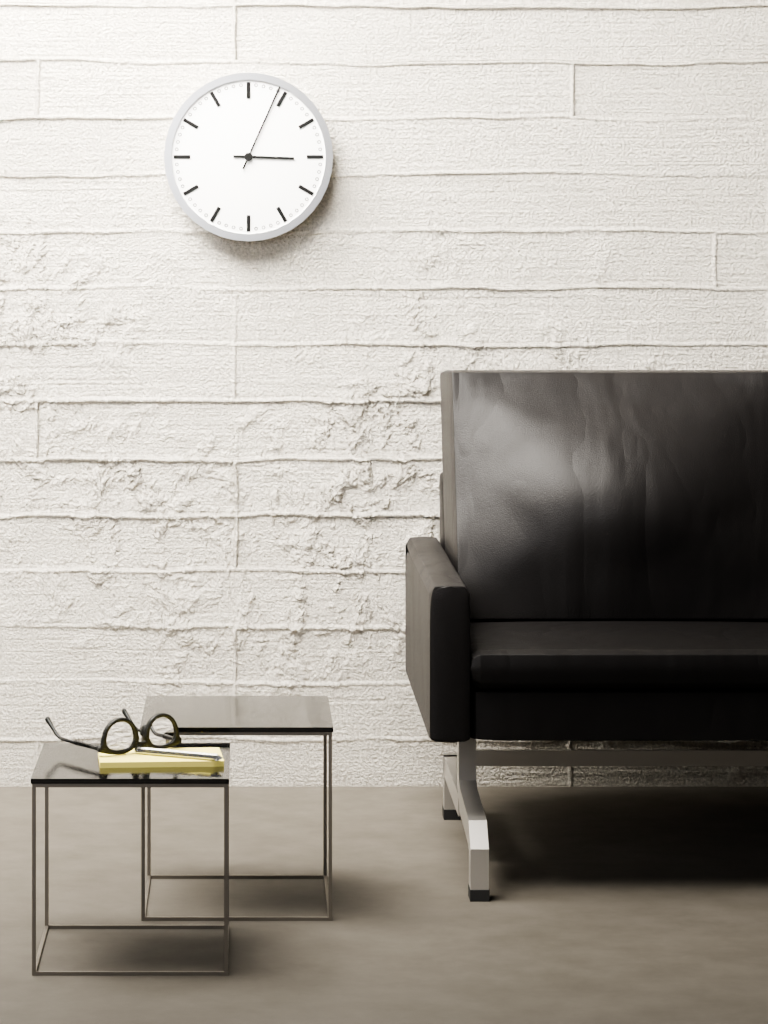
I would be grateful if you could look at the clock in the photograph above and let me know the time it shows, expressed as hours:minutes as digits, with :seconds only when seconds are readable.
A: 3:04
